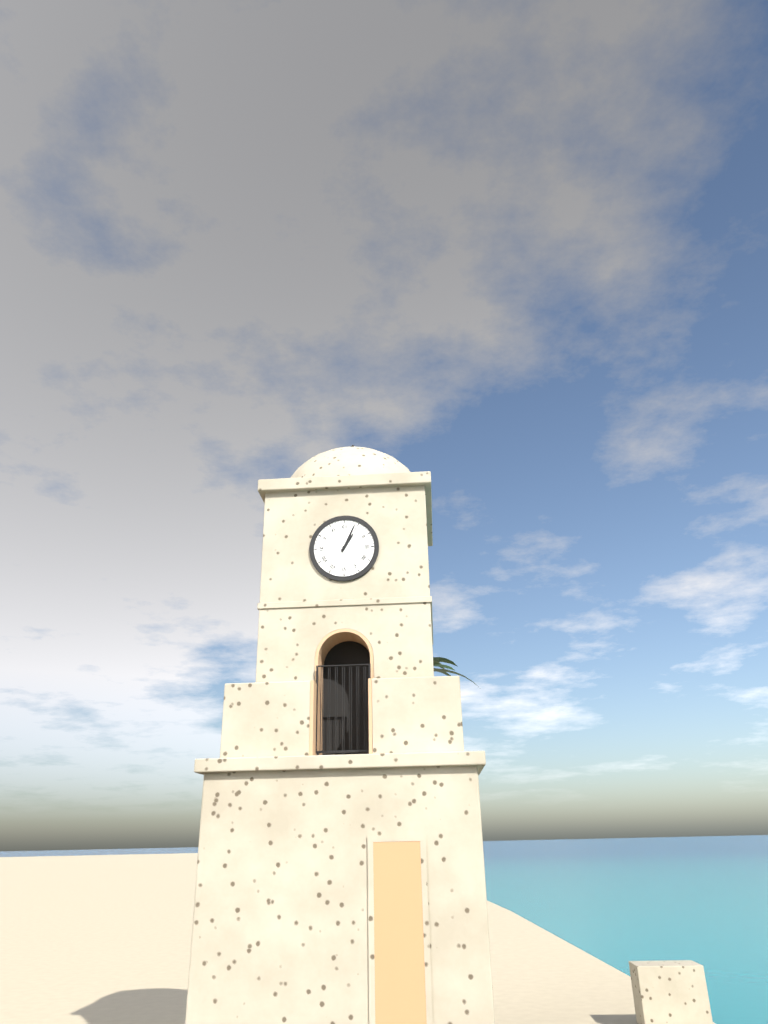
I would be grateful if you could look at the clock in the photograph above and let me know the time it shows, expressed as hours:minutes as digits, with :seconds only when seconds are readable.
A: 1:04
